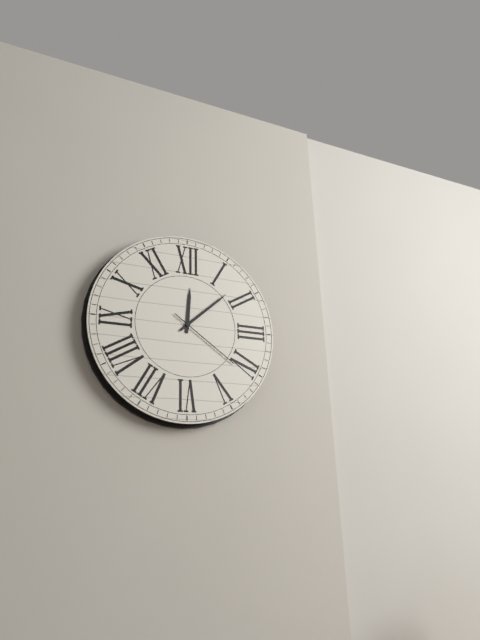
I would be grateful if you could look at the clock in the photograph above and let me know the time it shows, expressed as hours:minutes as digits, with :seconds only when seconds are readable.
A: 12:08:21
